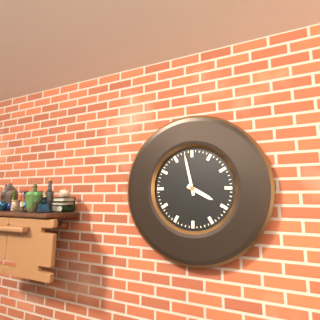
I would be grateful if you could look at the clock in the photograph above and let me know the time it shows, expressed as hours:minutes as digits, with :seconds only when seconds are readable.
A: 3:58
